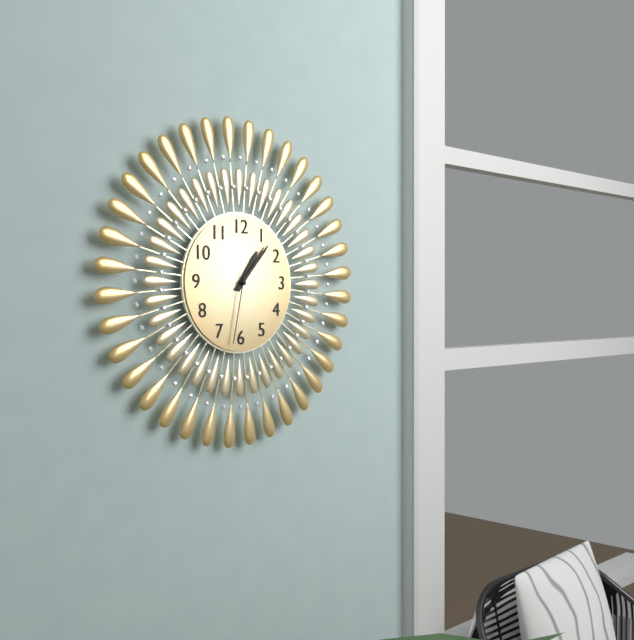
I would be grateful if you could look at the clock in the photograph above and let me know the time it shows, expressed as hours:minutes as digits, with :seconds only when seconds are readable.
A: 1:07:32
